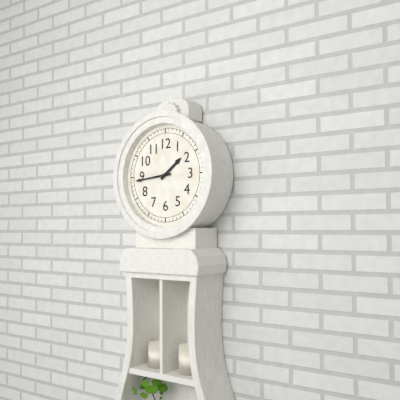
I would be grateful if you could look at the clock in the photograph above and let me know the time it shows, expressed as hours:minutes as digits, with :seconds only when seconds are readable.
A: 1:44
